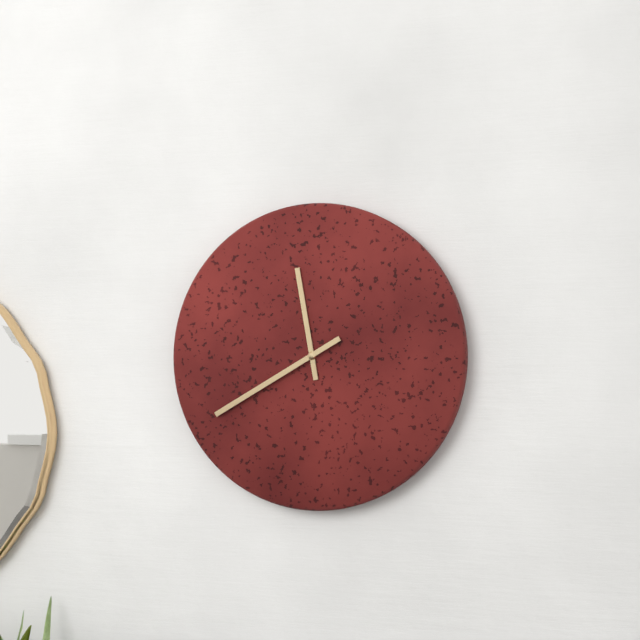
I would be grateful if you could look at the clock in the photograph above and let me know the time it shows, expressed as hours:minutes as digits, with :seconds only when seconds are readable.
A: 11:40
